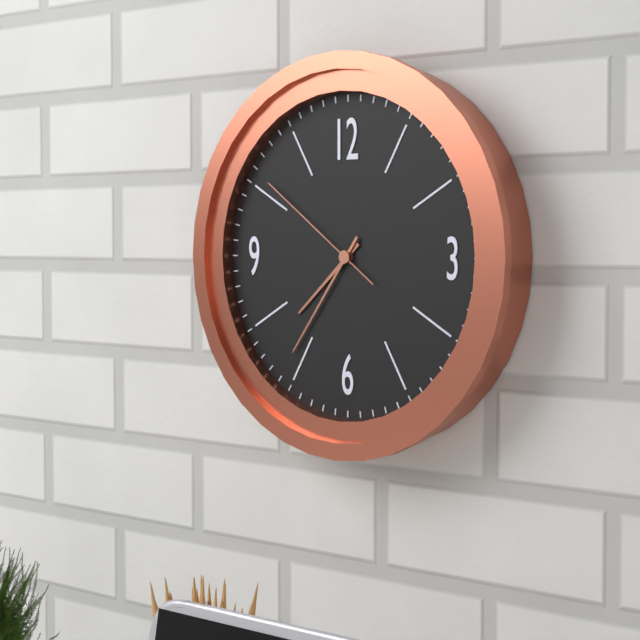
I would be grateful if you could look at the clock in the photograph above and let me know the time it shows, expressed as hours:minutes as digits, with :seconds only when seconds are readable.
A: 7:36:51
